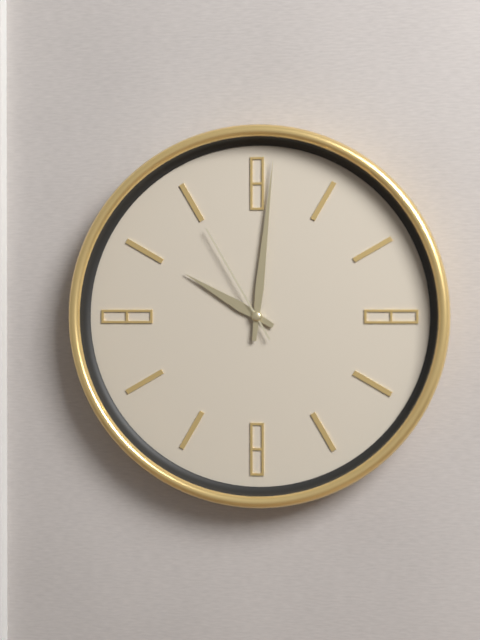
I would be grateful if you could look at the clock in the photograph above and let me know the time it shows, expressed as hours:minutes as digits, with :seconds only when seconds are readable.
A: 10:01:55
